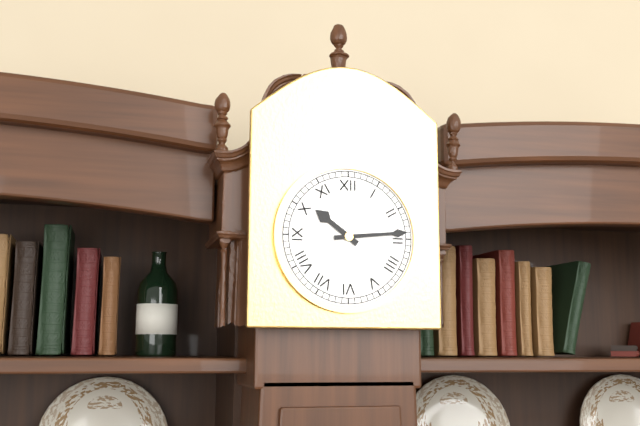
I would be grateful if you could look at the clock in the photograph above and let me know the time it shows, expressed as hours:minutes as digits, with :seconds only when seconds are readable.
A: 10:14
